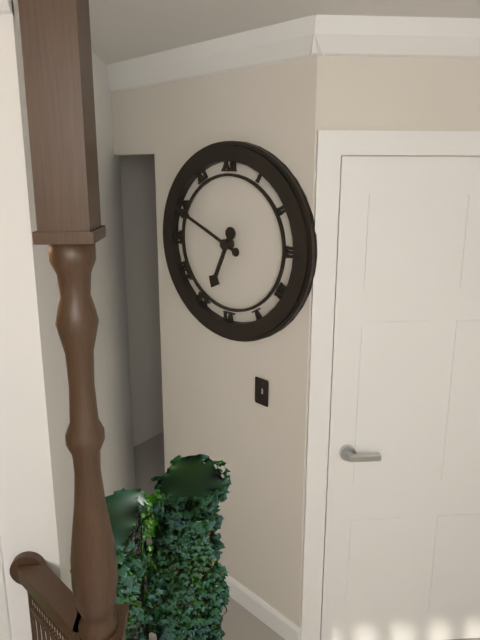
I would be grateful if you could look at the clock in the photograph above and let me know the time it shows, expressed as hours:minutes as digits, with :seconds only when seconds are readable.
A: 6:49
